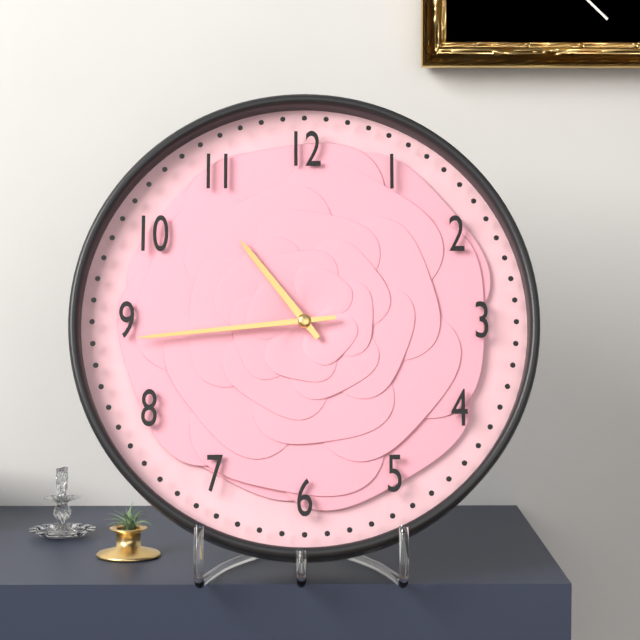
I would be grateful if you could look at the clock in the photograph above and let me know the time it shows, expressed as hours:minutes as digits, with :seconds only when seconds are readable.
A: 10:44
